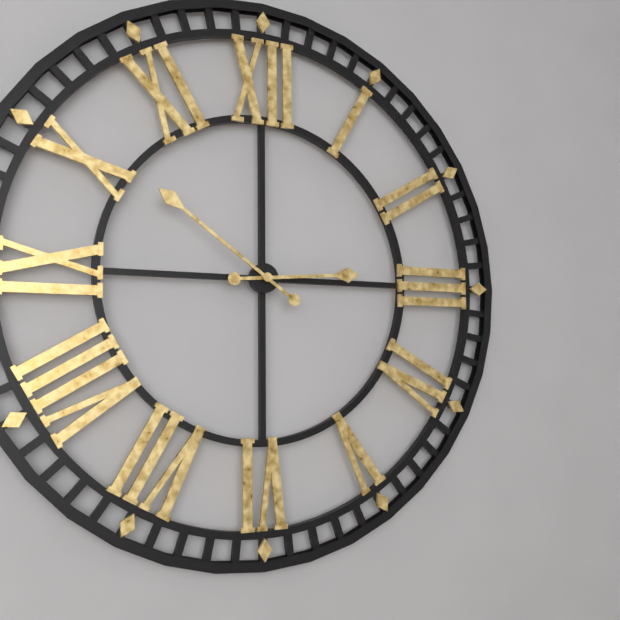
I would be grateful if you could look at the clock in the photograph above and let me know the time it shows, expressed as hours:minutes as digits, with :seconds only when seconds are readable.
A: 2:51
